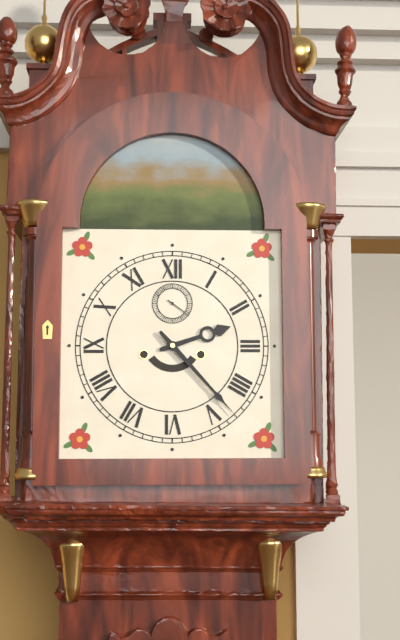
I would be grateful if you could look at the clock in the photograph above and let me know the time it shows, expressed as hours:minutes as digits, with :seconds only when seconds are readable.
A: 2:23
